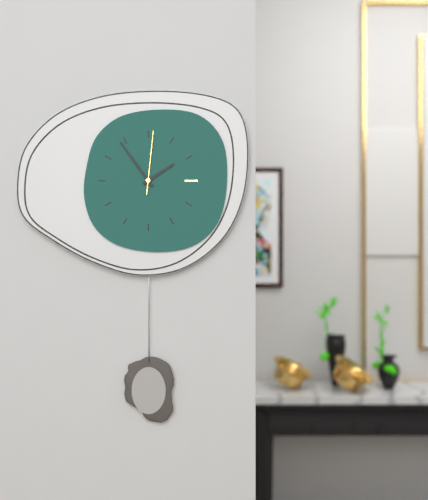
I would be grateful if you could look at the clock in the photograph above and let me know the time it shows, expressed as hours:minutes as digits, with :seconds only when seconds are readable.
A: 1:54:01
